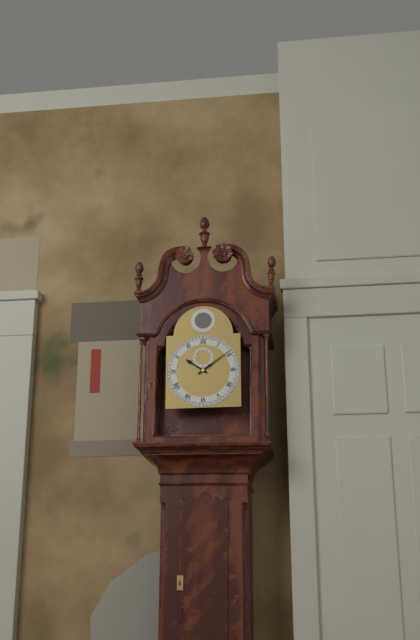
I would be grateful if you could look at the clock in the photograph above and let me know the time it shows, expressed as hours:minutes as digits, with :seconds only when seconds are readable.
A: 10:09
